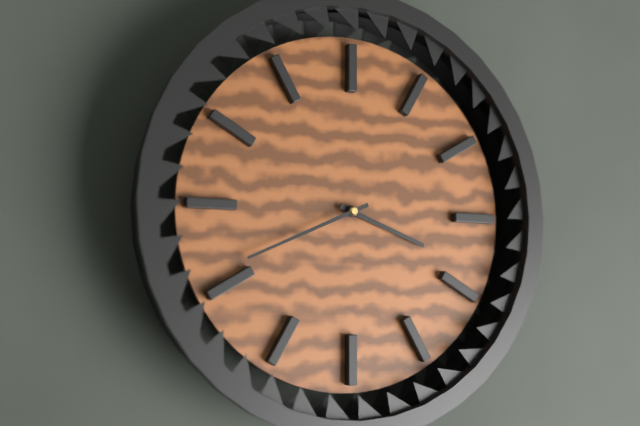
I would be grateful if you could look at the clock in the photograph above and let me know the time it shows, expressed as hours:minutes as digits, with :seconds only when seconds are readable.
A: 3:41
